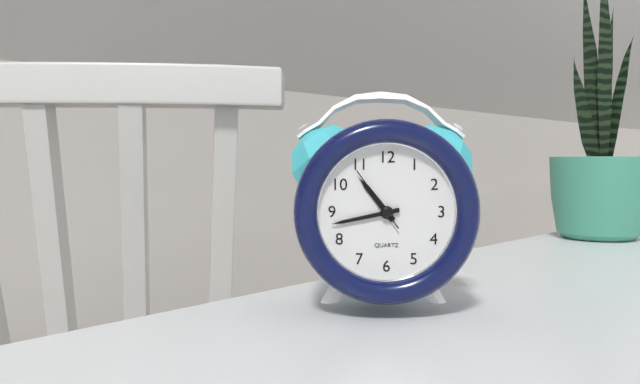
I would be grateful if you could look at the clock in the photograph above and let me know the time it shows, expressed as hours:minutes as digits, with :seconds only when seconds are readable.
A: 10:43:54
